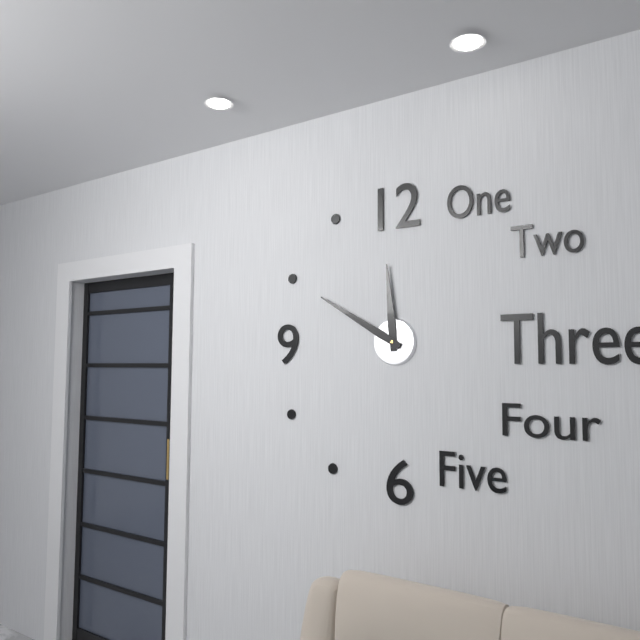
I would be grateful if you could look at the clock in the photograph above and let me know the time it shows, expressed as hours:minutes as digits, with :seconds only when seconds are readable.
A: 11:50
